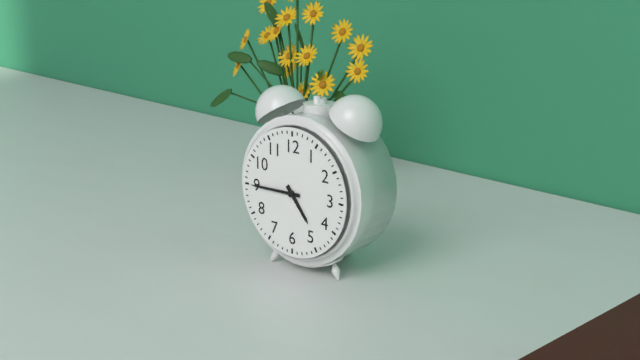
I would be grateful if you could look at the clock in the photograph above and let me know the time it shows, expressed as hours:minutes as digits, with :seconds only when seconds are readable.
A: 4:45
